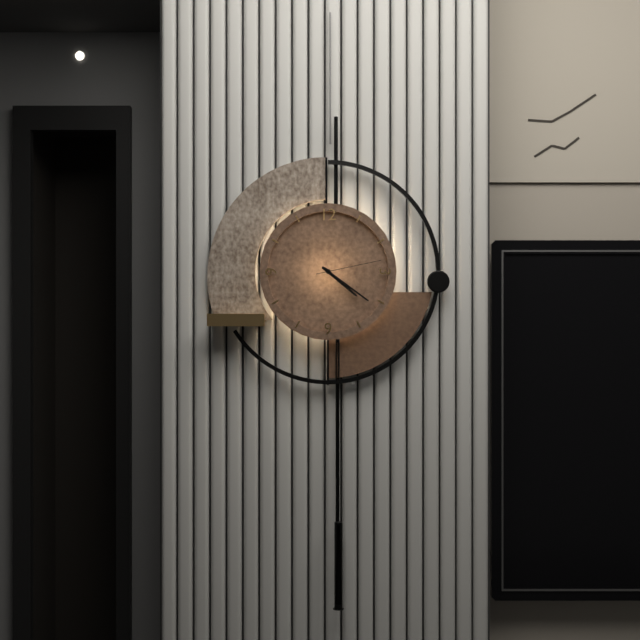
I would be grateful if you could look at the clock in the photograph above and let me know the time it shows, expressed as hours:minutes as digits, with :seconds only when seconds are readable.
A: 4:21:13
